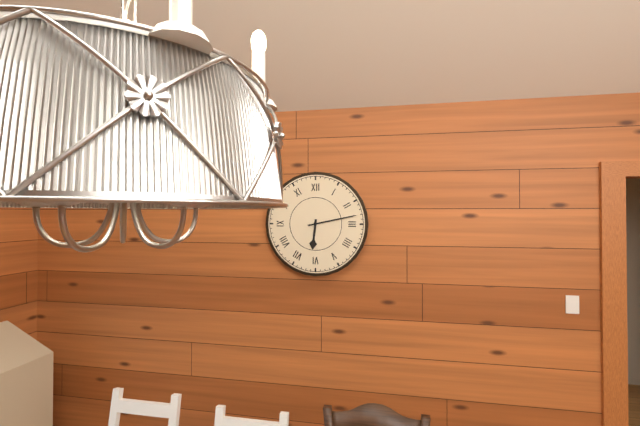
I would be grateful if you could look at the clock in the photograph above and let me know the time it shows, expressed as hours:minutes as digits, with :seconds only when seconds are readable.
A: 6:13
